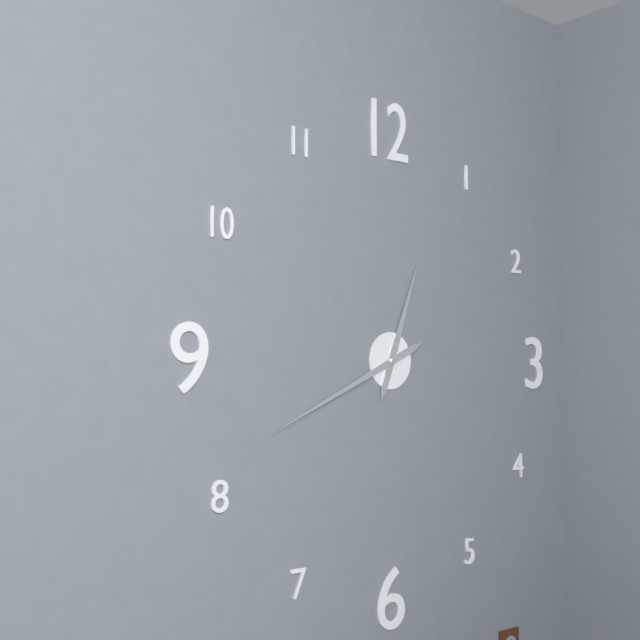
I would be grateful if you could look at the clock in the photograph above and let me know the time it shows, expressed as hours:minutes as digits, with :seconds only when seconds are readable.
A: 12:41
